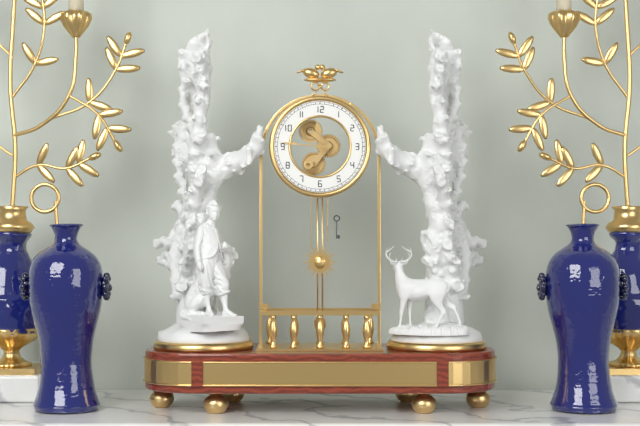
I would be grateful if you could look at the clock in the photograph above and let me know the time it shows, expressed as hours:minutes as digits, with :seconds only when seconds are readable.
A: 11:46
